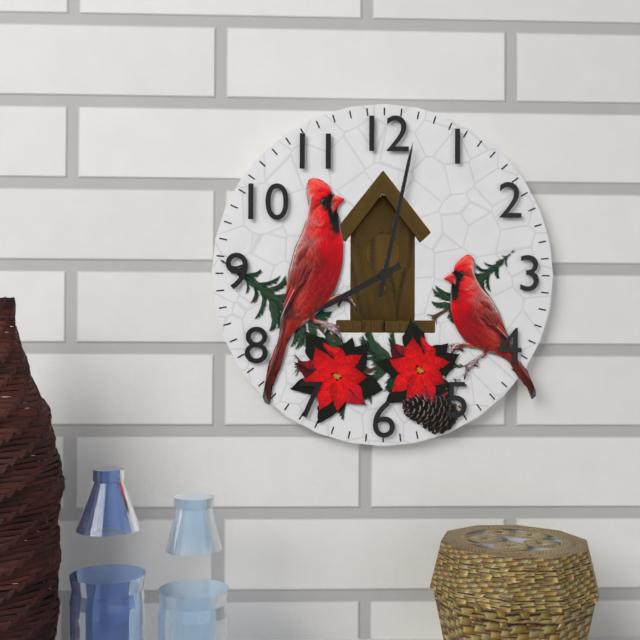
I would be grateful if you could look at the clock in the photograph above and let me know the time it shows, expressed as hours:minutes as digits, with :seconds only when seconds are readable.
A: 8:02
